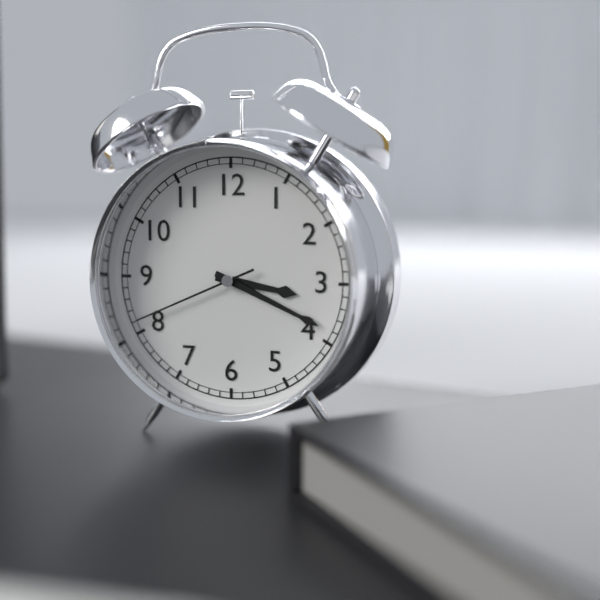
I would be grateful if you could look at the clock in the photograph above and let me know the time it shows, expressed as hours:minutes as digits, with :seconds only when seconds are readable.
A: 3:19:41
